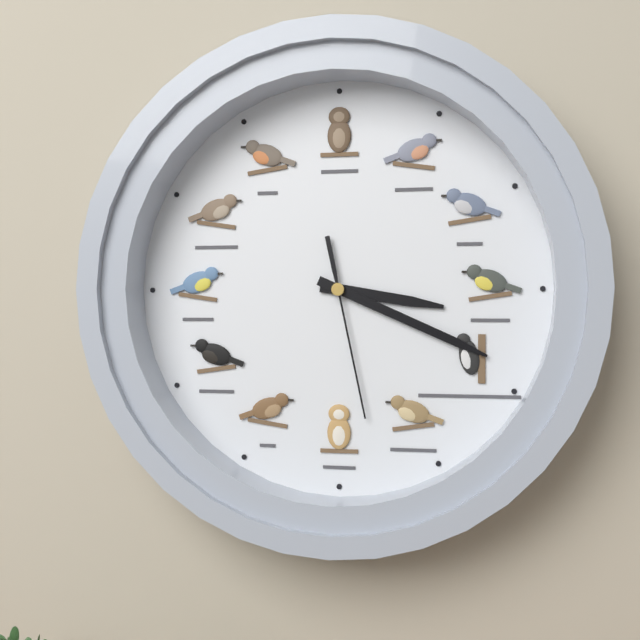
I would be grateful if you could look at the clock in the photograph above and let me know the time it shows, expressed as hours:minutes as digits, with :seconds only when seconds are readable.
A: 3:19:28
